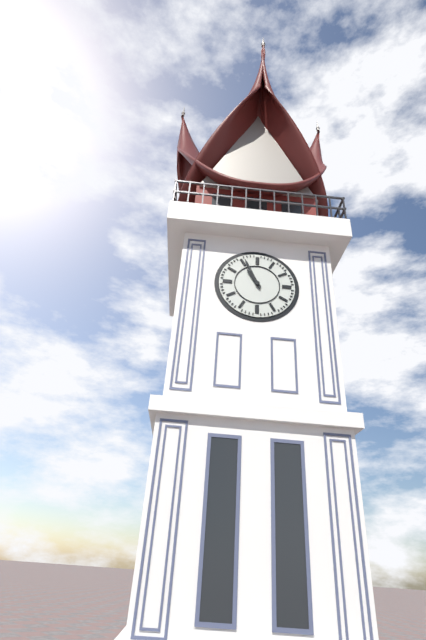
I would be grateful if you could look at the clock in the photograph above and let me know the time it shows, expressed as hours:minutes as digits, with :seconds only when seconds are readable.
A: 10:56
